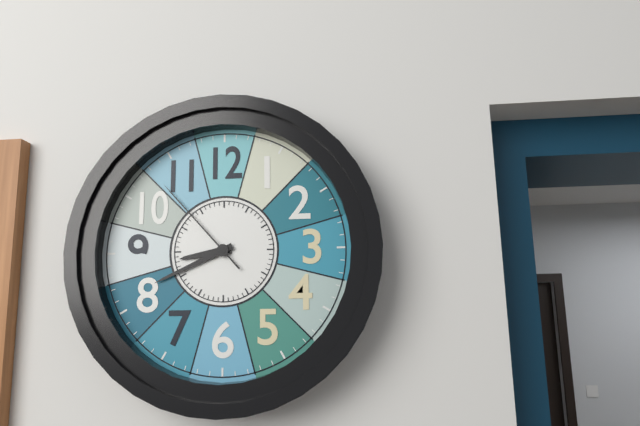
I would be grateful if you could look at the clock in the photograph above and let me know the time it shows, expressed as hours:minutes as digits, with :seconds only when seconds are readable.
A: 8:41:53
